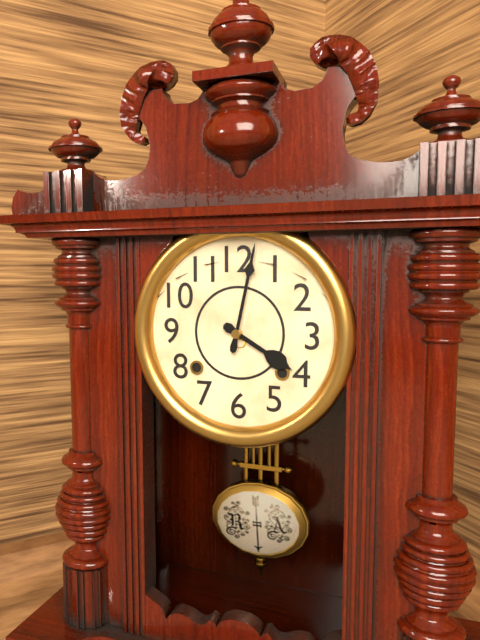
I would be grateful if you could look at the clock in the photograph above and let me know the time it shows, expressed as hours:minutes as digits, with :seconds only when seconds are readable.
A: 4:02
